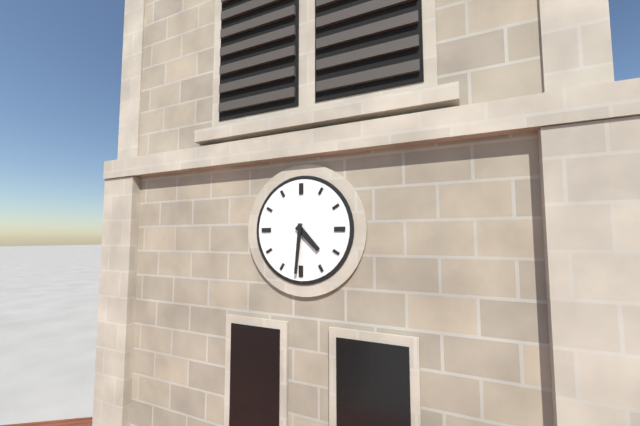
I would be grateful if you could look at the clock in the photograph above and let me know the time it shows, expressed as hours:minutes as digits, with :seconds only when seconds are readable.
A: 4:31
